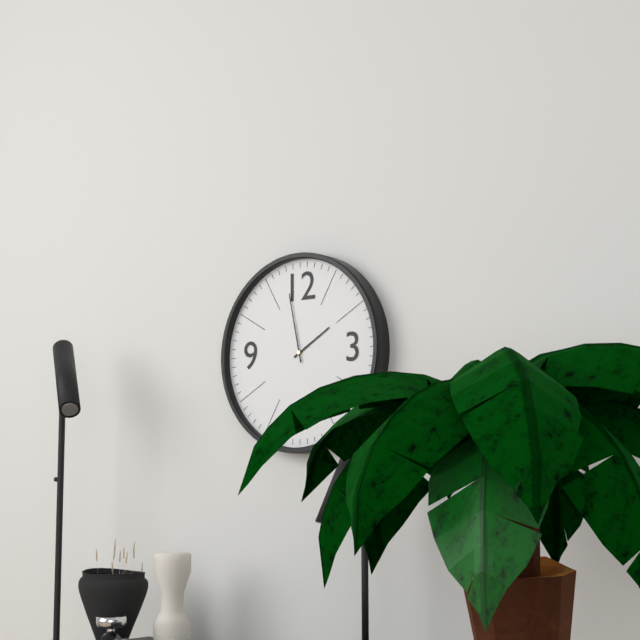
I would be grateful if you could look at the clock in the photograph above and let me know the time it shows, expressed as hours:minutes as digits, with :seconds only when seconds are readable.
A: 1:58
